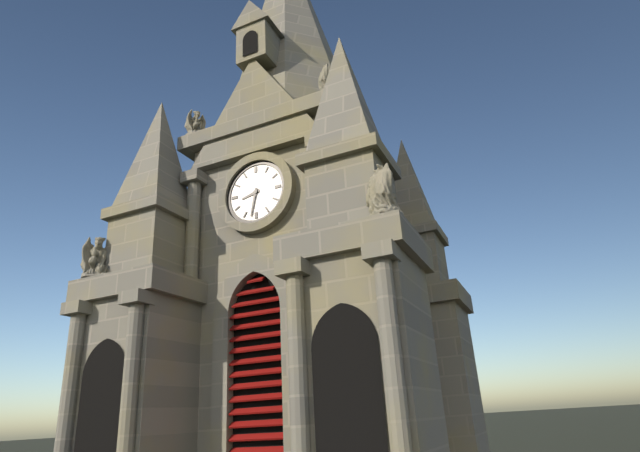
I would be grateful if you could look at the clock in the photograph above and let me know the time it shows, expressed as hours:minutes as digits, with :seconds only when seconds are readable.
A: 8:32
